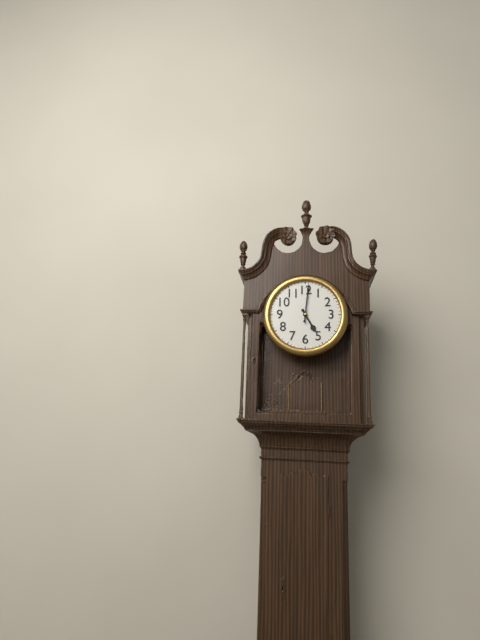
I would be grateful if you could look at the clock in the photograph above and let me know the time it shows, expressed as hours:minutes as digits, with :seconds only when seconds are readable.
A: 5:01
